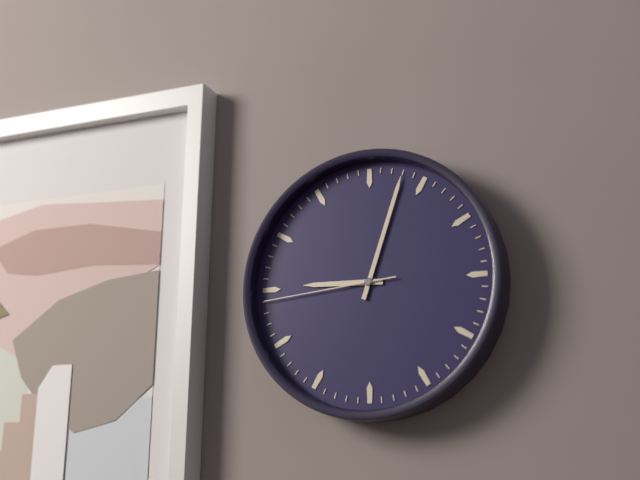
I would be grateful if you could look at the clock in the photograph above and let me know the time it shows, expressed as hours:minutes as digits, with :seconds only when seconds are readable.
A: 9:03:44
